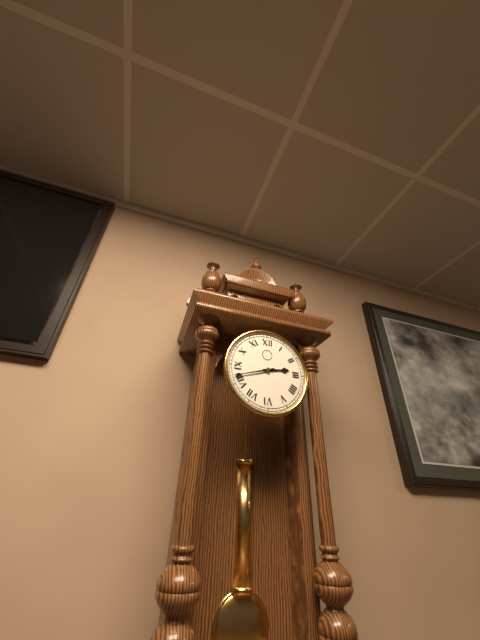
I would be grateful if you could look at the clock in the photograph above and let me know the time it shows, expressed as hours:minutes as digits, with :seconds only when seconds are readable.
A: 2:42
